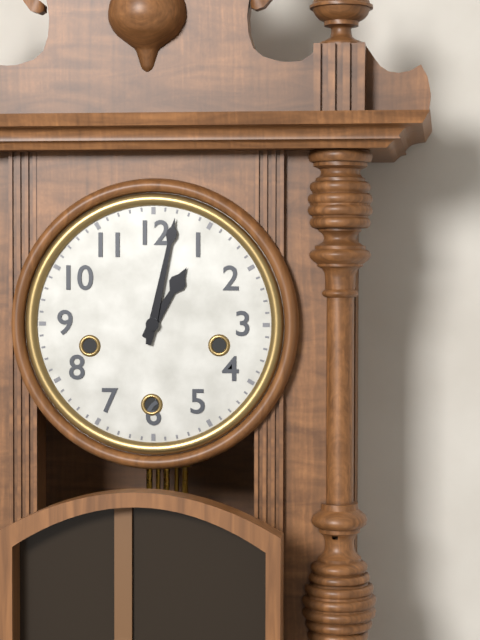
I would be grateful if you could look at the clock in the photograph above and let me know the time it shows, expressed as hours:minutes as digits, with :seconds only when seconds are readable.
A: 1:02
